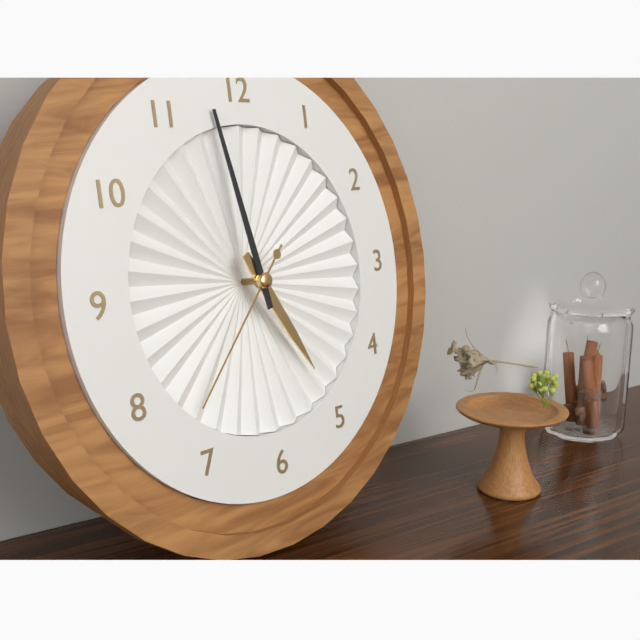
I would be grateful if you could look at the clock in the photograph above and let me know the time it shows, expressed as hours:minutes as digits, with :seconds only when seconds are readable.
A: 4:58:37
